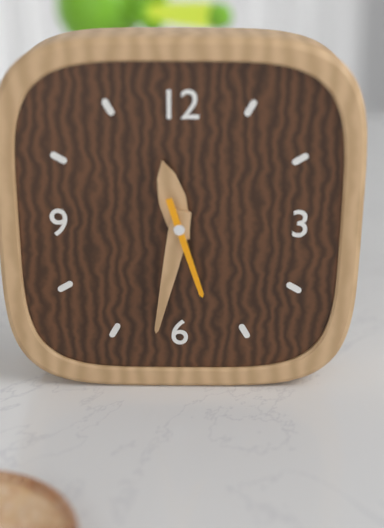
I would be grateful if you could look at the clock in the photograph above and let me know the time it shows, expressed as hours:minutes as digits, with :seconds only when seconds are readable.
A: 11:32:27
